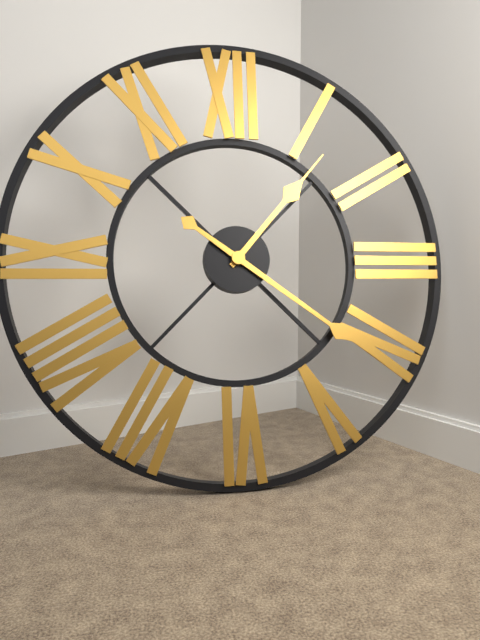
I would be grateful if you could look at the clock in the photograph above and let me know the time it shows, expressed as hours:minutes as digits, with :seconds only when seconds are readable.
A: 1:21
